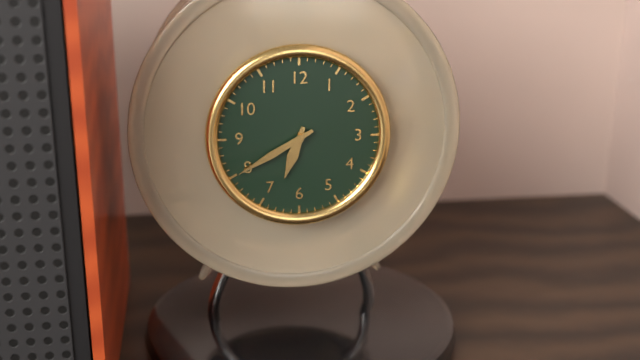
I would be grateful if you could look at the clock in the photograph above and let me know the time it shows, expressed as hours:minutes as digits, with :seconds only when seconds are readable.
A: 6:40
